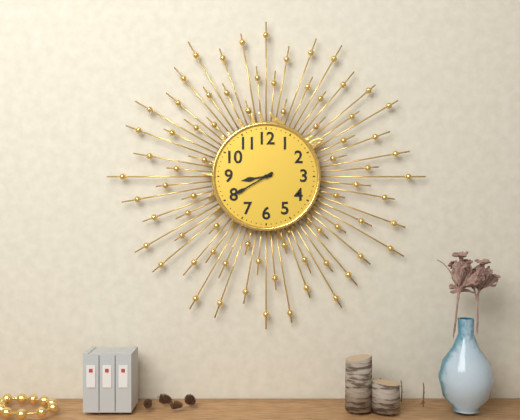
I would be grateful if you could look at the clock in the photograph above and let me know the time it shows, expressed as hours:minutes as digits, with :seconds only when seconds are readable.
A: 8:40
